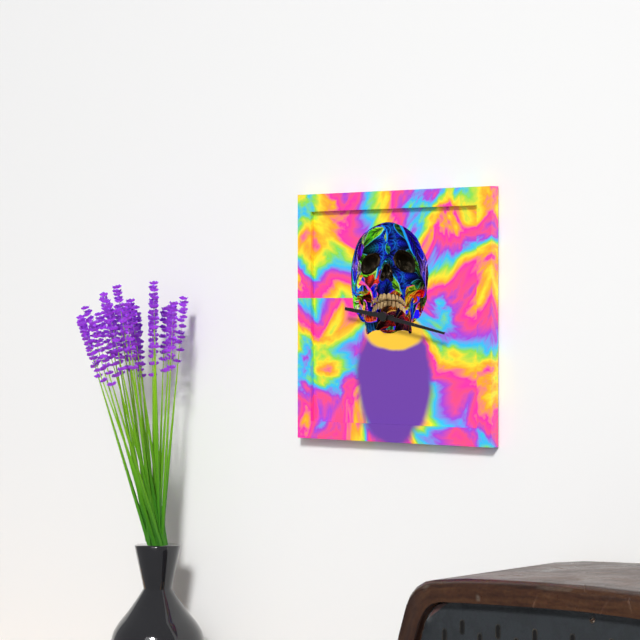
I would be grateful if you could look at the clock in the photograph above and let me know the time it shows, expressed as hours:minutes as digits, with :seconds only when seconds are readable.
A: 9:17
